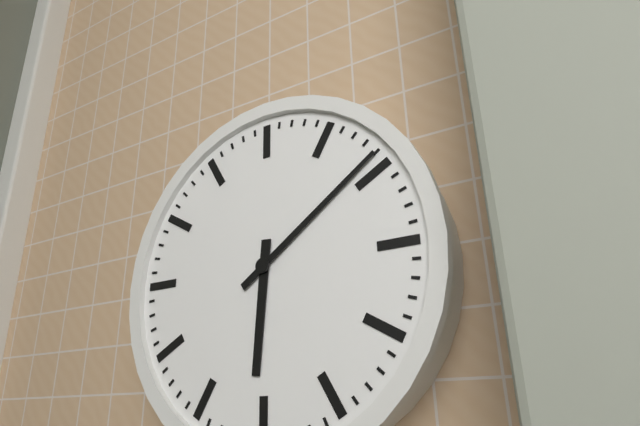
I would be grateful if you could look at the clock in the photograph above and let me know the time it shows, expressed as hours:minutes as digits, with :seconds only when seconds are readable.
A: 6:09
